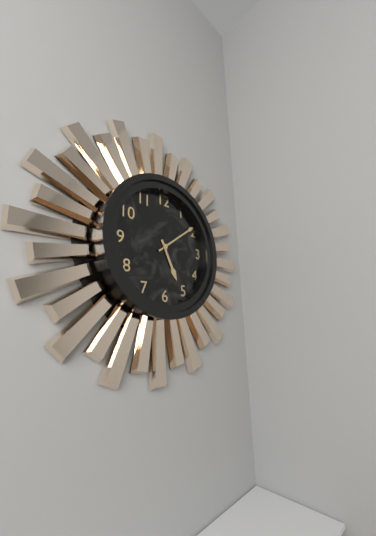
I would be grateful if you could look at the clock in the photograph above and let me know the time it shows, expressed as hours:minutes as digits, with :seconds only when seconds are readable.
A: 5:09
